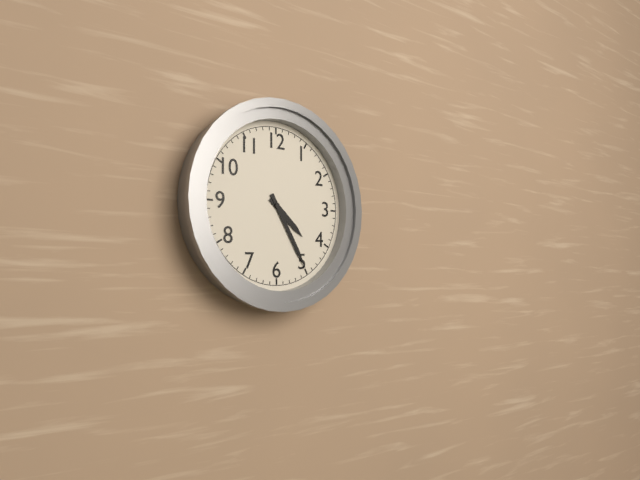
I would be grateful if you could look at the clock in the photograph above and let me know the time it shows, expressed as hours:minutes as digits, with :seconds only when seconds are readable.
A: 4:25
